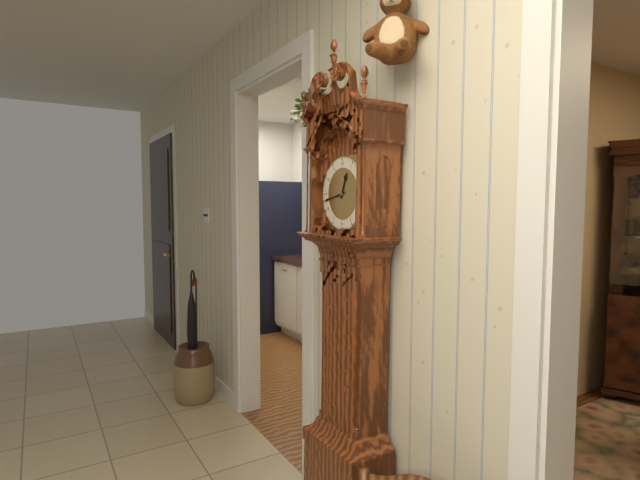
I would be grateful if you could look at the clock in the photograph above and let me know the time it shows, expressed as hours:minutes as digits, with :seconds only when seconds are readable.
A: 12:43
